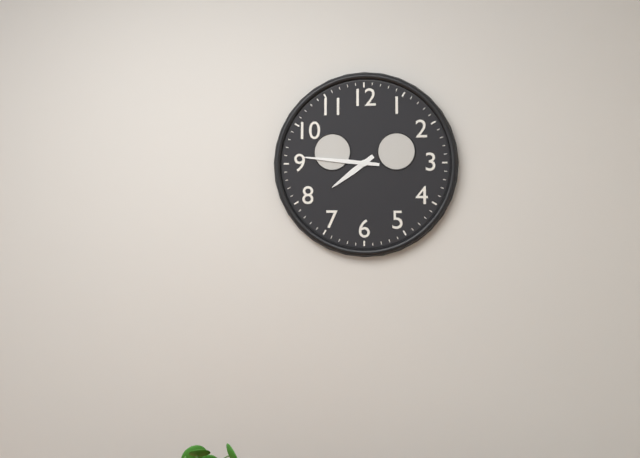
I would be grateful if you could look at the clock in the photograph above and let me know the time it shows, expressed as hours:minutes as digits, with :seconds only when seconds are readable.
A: 7:46
